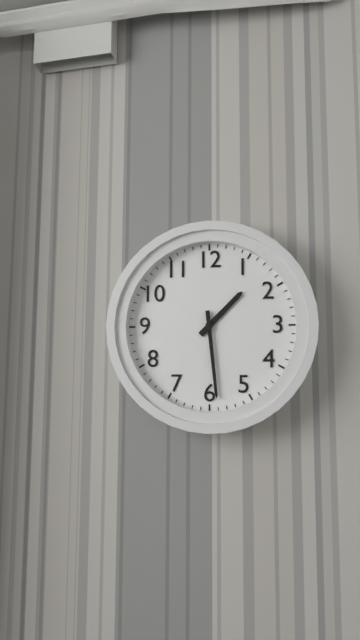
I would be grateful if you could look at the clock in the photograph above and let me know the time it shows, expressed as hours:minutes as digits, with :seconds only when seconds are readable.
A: 1:29
